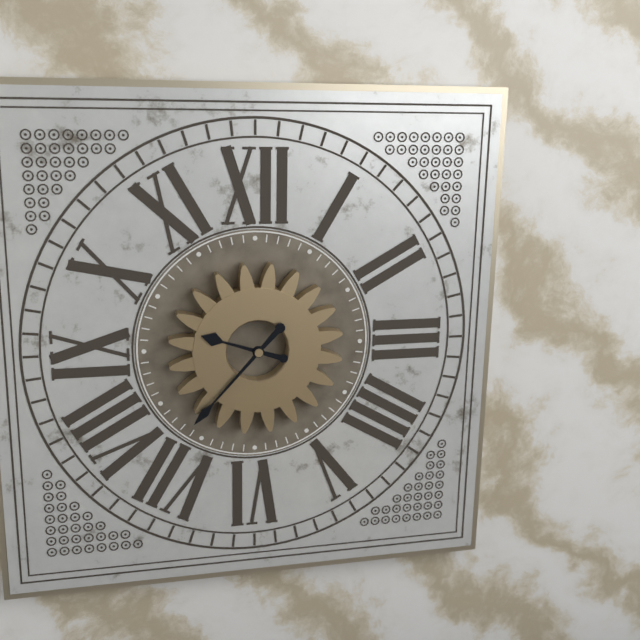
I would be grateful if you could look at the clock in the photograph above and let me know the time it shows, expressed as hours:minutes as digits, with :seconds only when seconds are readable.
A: 9:37
